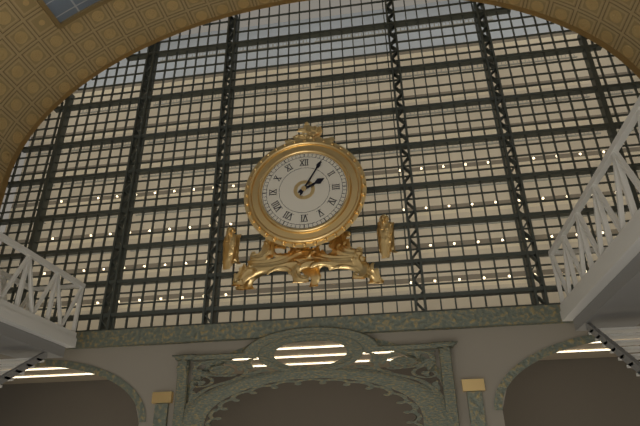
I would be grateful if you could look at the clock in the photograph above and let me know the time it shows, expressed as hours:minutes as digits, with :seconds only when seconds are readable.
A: 2:05
